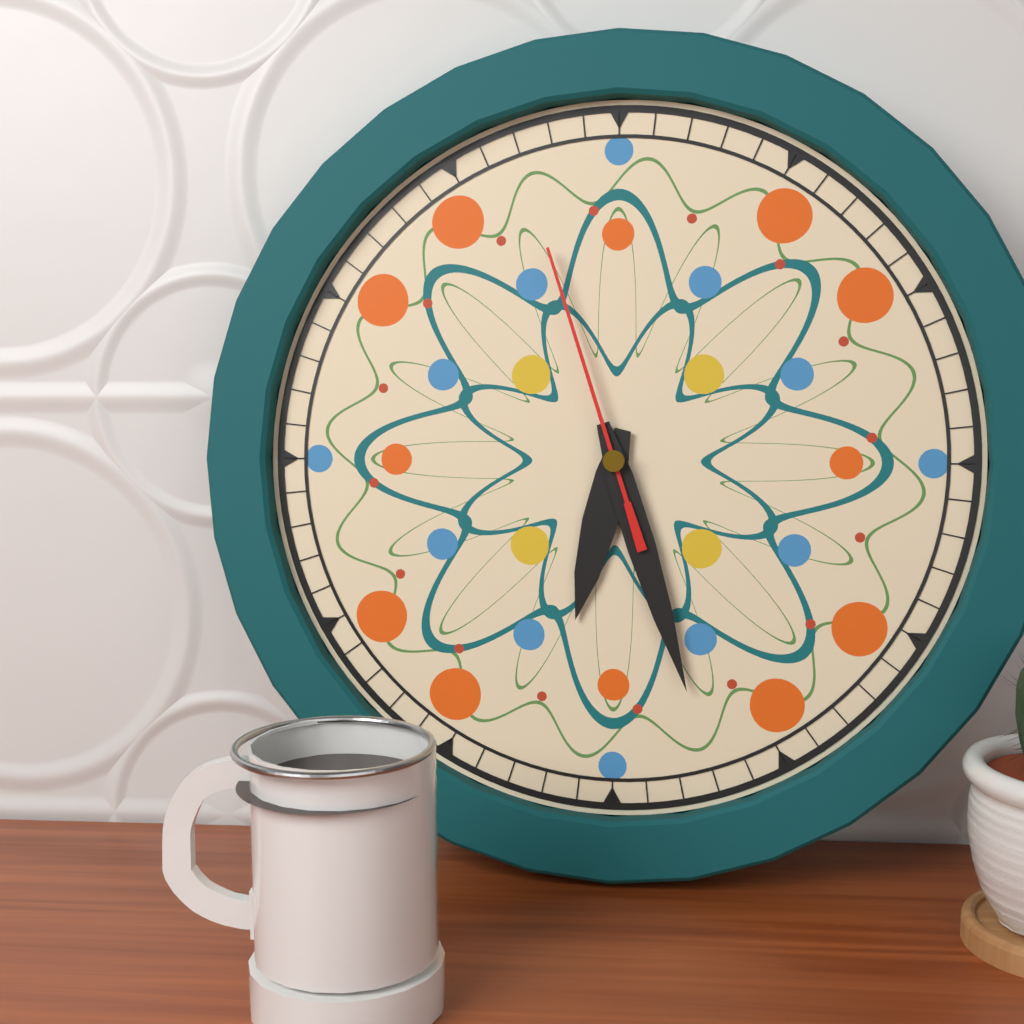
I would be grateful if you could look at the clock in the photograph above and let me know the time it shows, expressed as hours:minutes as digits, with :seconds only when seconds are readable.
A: 6:27:57
